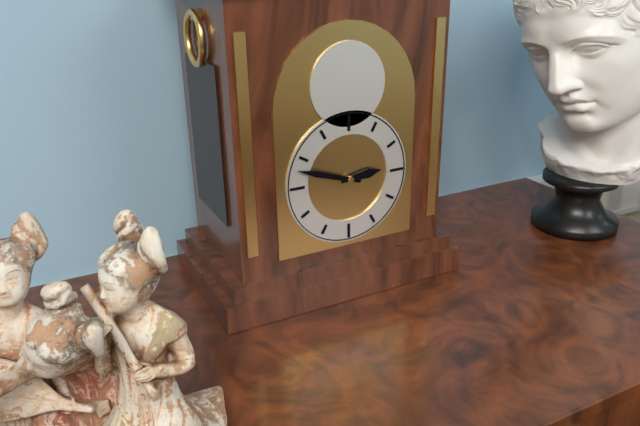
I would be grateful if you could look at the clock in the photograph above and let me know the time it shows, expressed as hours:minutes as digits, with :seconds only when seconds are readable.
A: 2:48
